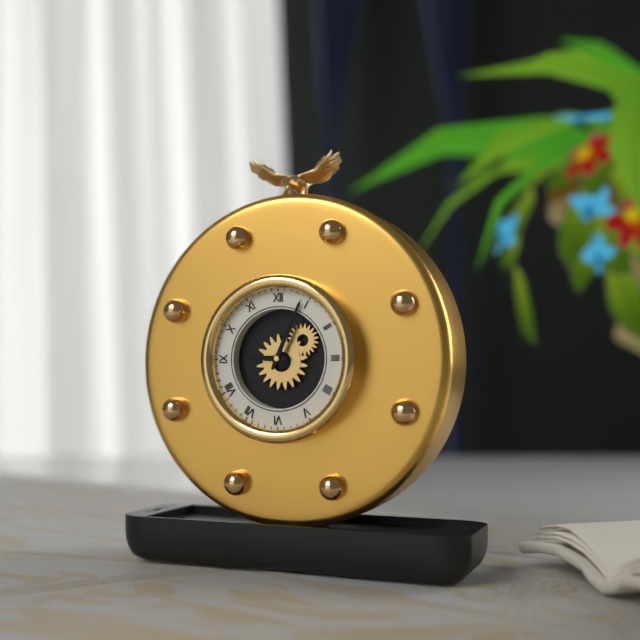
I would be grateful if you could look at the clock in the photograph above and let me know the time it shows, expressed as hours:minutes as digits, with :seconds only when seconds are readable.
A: 9:04
